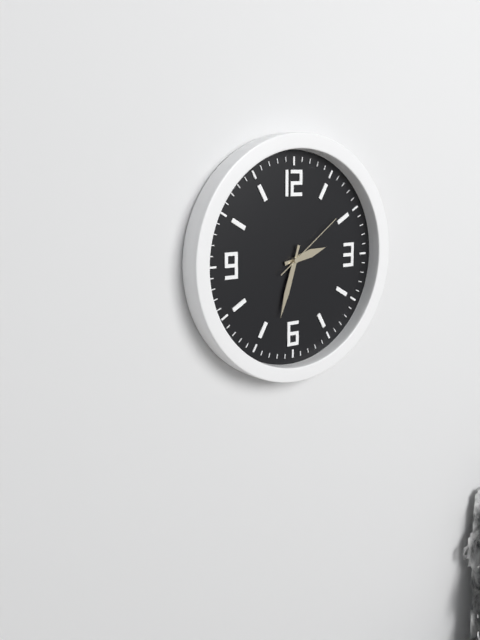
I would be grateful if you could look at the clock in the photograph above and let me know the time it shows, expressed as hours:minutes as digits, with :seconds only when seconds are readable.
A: 2:33:09
